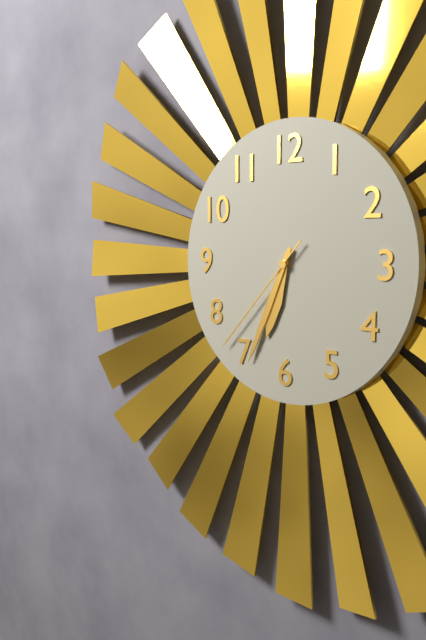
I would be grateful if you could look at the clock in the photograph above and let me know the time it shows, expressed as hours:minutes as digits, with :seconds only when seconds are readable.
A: 6:34:37
